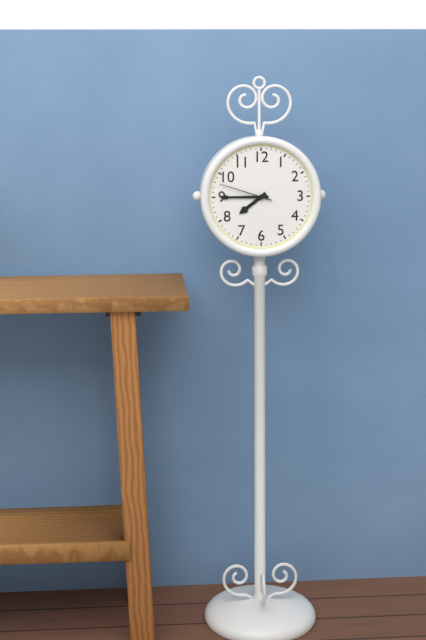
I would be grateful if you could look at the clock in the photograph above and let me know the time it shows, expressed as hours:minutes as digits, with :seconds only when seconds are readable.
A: 7:45:48
